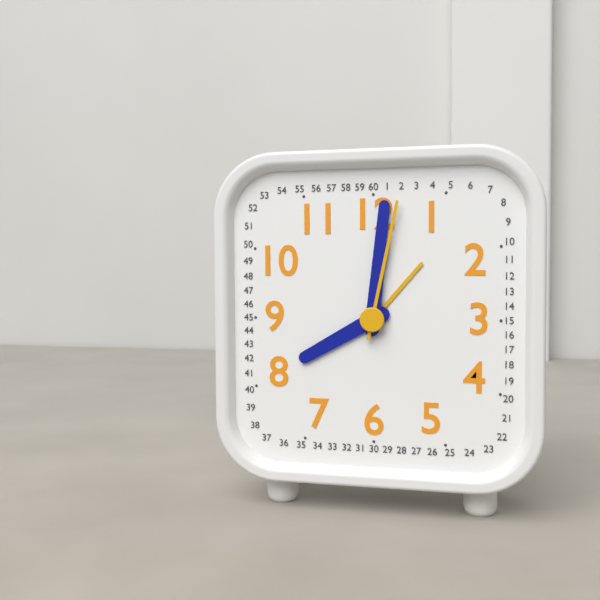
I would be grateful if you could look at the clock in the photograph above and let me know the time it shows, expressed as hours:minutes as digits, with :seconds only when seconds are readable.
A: 8:01:02
